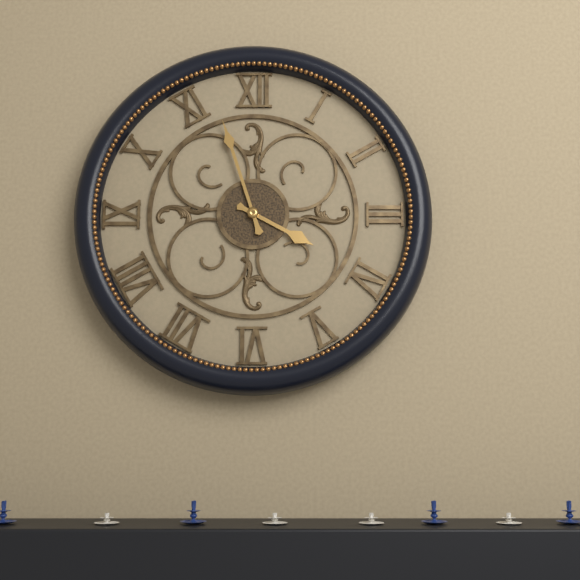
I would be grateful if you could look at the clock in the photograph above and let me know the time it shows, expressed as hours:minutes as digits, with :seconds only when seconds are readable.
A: 3:57
